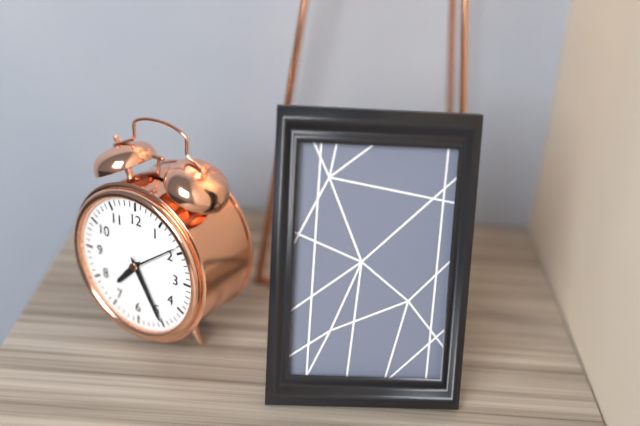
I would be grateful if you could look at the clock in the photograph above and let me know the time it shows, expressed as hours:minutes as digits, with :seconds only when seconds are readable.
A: 7:25:09
